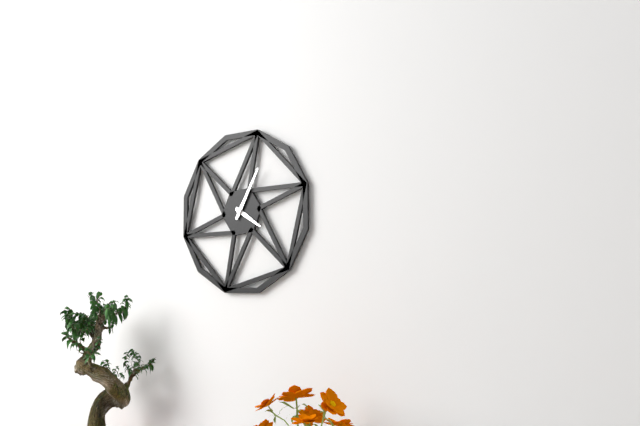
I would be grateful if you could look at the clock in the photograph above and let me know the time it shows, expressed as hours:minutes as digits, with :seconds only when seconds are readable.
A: 4:05
